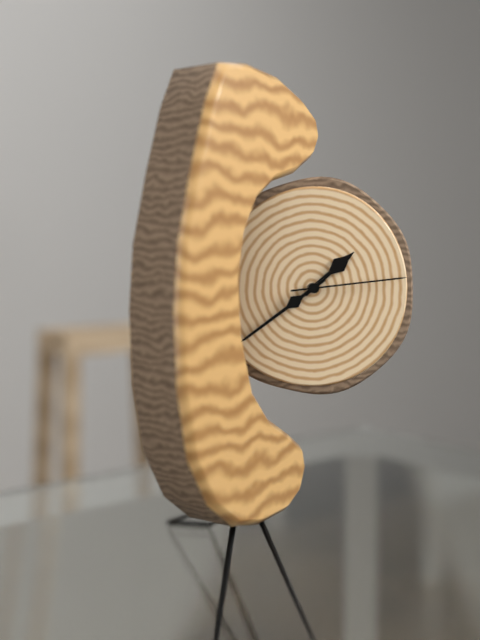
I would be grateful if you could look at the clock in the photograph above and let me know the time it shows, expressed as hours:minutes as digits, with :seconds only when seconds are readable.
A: 1:39:14
